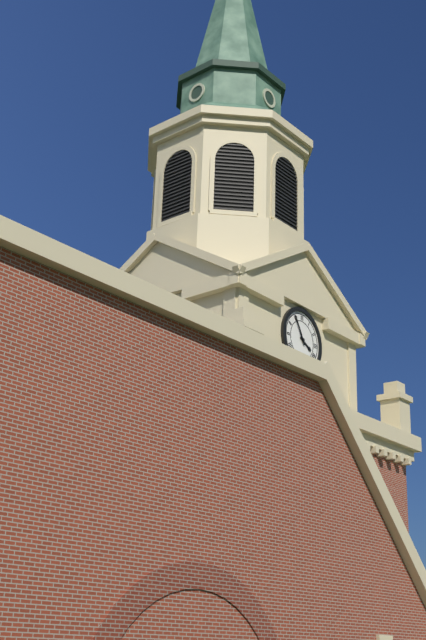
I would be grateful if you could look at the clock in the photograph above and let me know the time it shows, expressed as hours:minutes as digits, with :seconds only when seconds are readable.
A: 3:55
